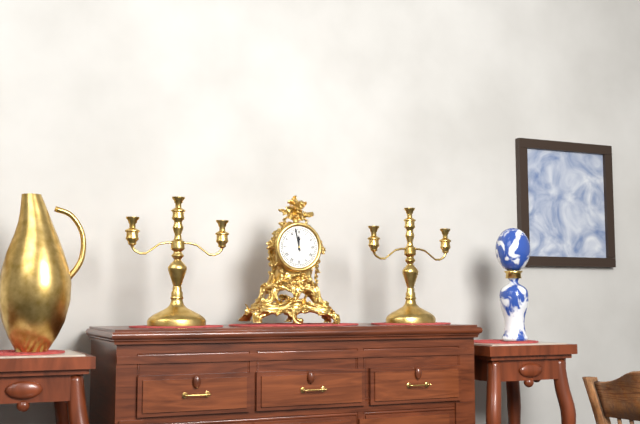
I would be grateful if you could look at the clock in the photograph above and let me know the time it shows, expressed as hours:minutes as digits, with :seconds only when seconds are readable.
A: 11:58
